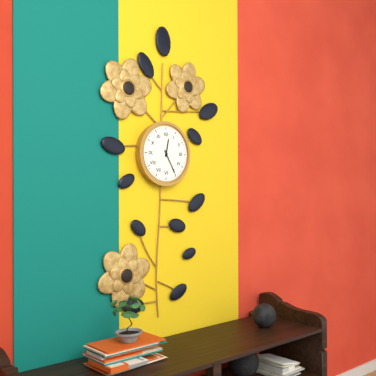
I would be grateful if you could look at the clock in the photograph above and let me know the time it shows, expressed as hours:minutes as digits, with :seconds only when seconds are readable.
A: 12:25
